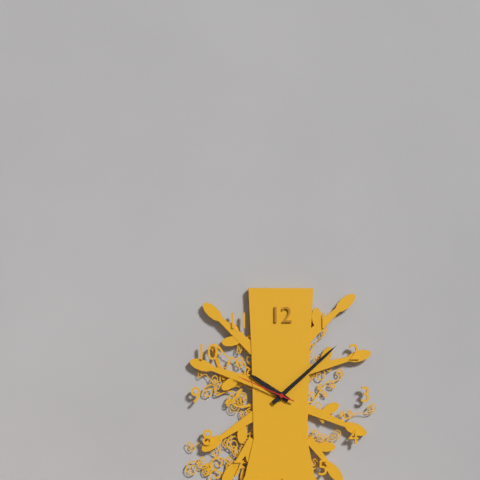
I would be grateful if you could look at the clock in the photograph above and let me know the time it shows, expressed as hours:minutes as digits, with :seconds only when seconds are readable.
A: 10:08:49
